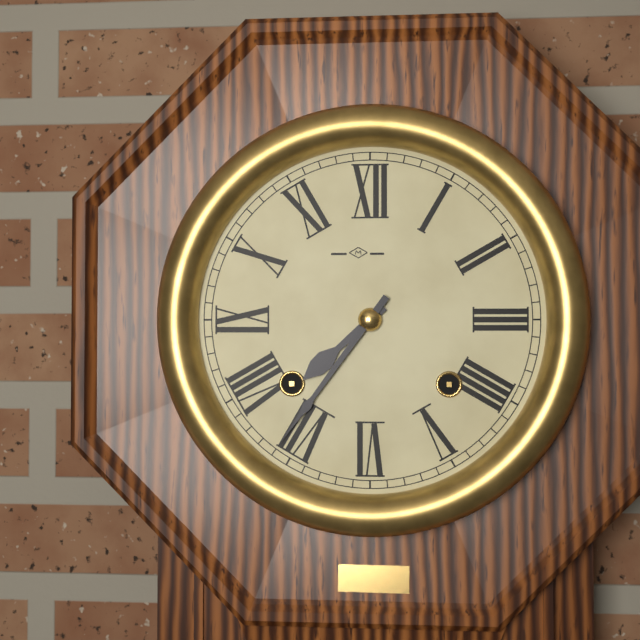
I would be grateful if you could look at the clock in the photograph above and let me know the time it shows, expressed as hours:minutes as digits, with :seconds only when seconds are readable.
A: 7:36
